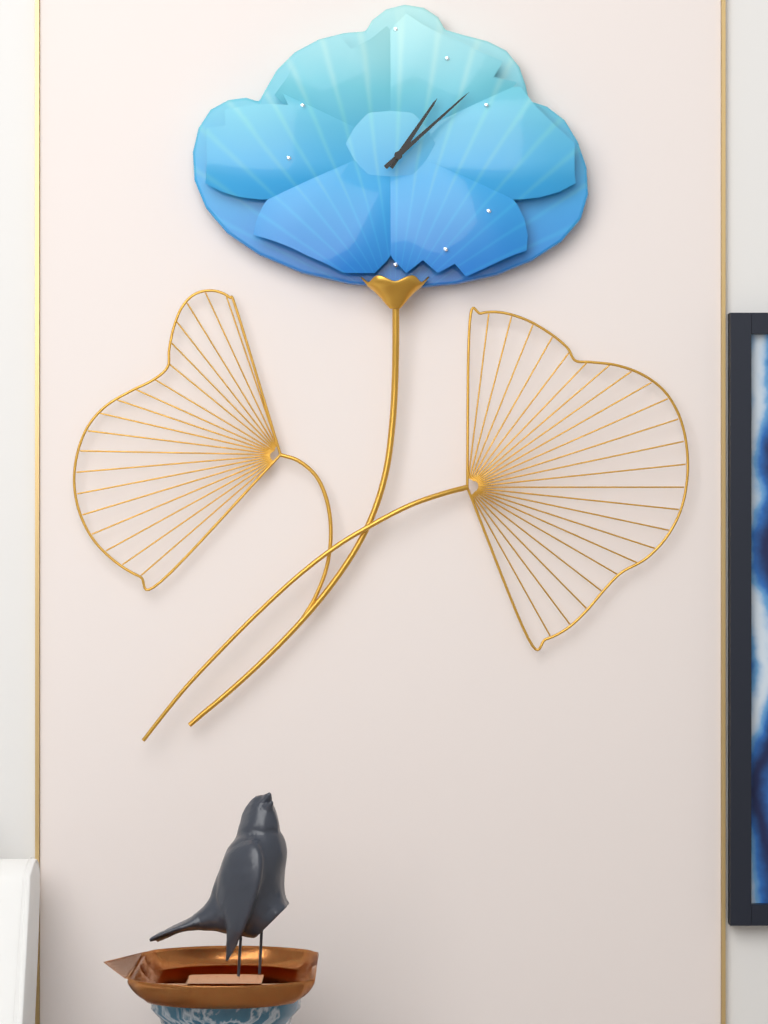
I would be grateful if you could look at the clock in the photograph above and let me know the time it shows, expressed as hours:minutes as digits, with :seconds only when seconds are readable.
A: 1:08
